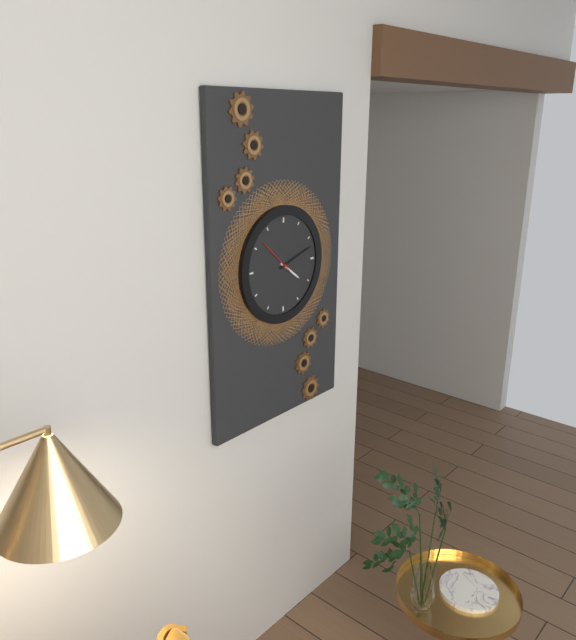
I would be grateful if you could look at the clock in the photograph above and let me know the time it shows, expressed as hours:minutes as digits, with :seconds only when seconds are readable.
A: 4:12
